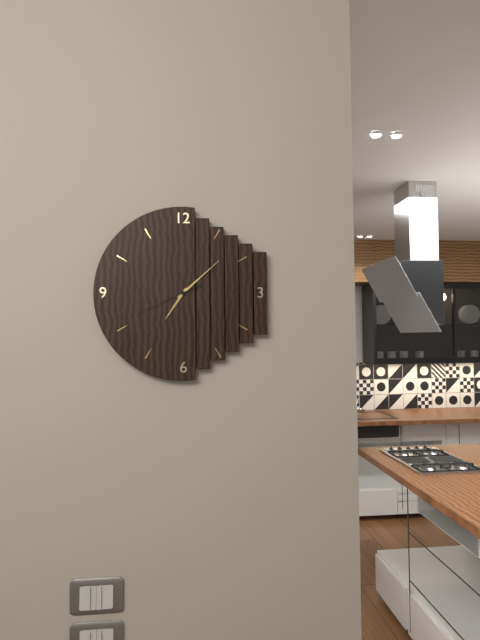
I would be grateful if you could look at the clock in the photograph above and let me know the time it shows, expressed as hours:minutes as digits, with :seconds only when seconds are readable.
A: 7:08:41
